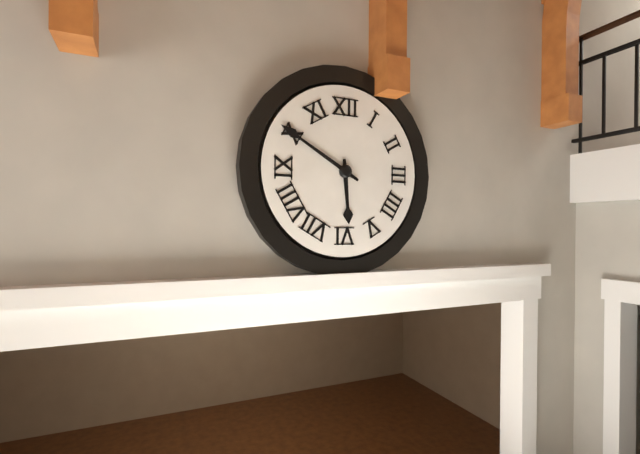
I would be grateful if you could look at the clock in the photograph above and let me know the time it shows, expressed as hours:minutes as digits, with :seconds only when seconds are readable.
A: 5:50
